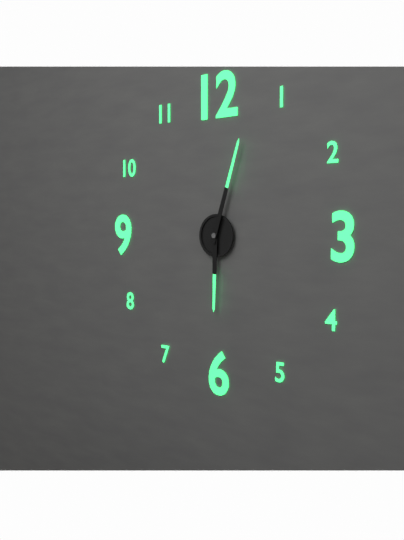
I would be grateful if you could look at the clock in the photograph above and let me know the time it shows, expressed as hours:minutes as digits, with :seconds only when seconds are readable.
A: 6:03
